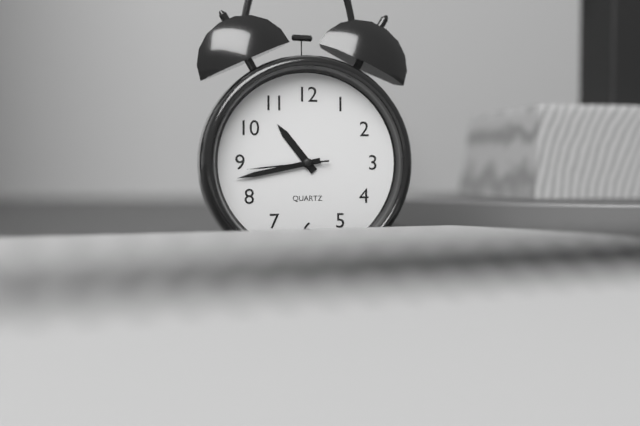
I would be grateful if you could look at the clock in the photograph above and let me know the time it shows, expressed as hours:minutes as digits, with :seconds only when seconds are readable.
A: 10:43:44
